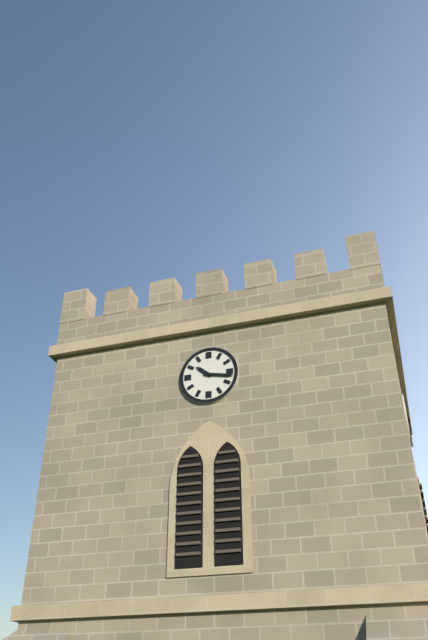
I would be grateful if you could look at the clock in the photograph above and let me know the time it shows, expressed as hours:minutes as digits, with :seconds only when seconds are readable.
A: 10:17
